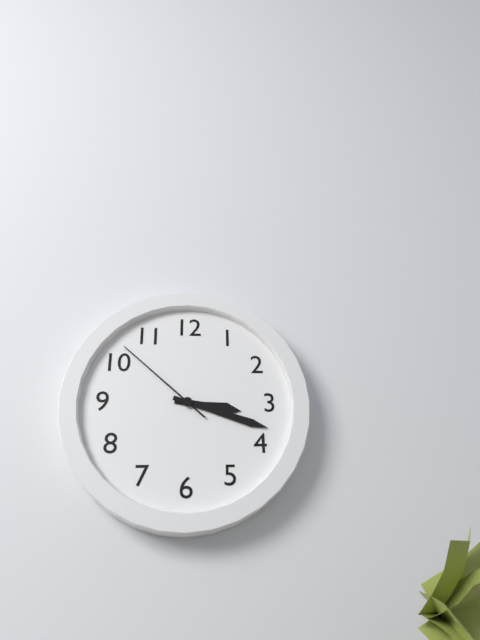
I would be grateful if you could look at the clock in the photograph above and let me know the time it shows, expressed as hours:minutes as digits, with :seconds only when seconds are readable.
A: 3:18:52
